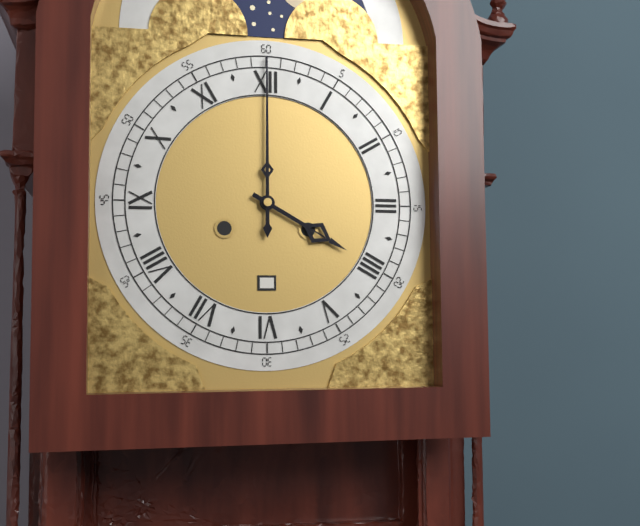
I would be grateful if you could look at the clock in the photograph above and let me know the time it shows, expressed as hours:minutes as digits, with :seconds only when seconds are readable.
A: 4:00
